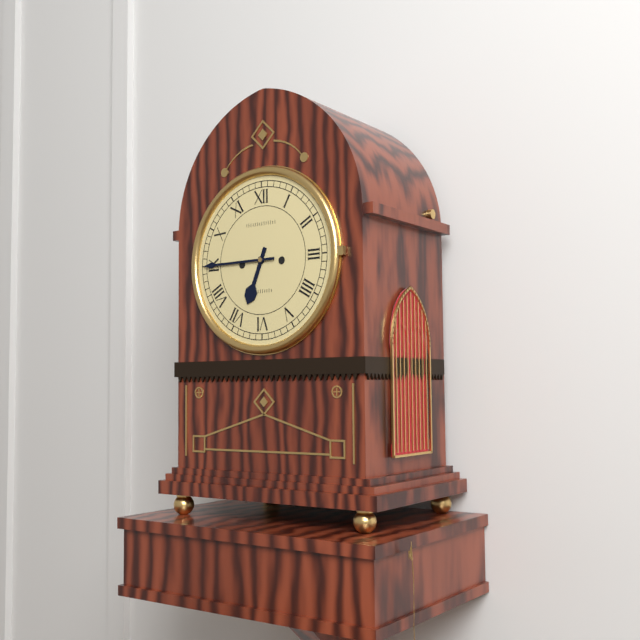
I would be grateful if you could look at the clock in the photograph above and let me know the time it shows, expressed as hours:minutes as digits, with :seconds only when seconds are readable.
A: 6:45
